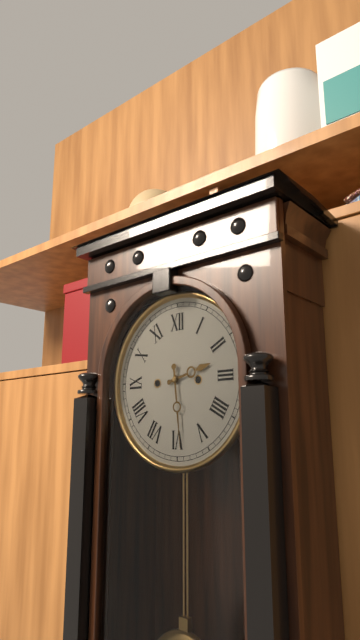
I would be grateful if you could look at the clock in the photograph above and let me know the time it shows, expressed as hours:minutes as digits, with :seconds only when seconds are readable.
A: 2:29
